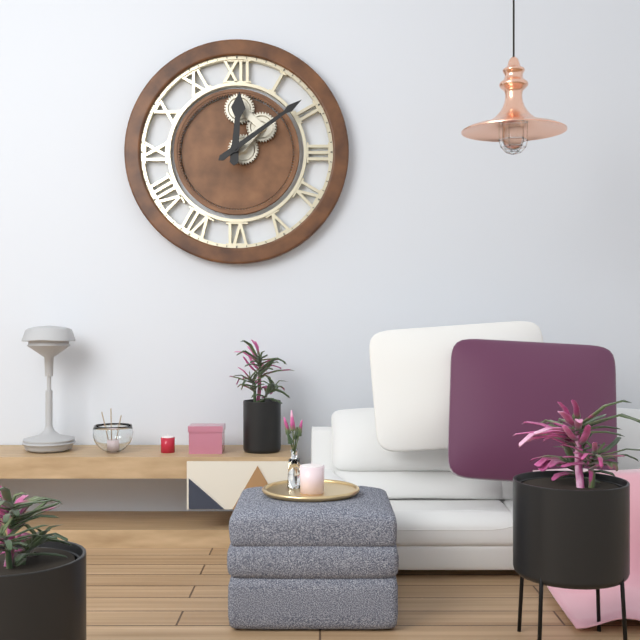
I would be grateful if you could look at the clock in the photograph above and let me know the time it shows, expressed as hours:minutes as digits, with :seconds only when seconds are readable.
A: 12:09
